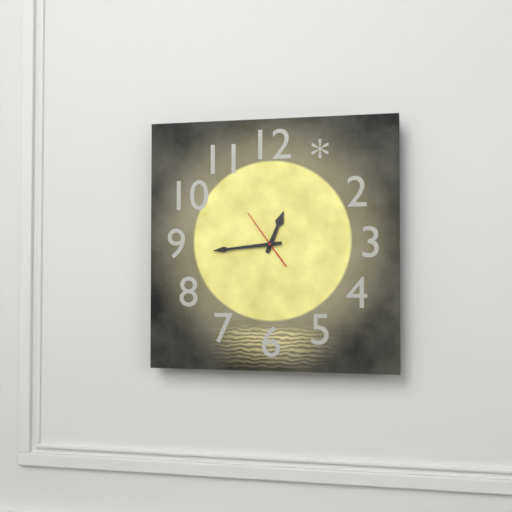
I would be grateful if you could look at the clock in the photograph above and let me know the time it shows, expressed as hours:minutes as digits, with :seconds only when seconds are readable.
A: 12:44
